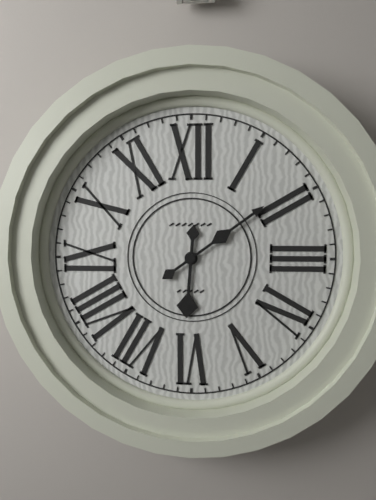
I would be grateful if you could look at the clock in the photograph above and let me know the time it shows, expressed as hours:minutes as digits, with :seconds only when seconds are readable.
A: 6:09
